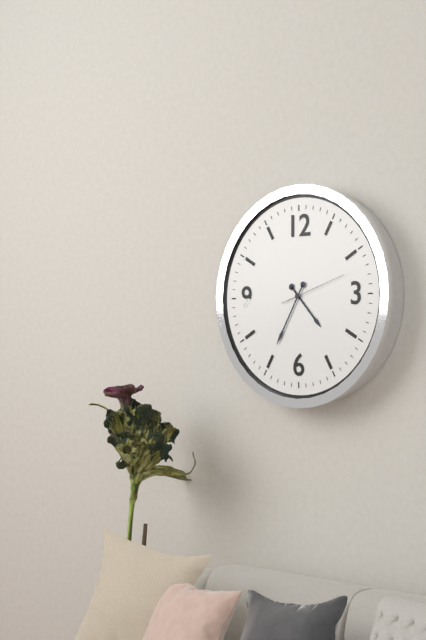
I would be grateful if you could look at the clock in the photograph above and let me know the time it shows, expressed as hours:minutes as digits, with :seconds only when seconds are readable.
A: 4:35:12
